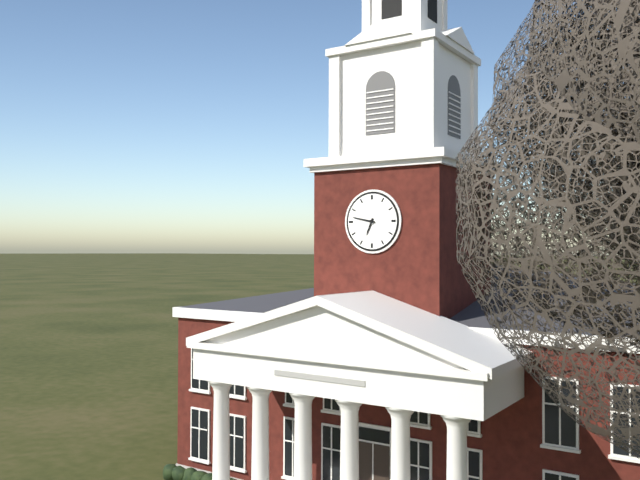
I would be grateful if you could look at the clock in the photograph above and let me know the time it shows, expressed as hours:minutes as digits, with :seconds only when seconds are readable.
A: 6:47
